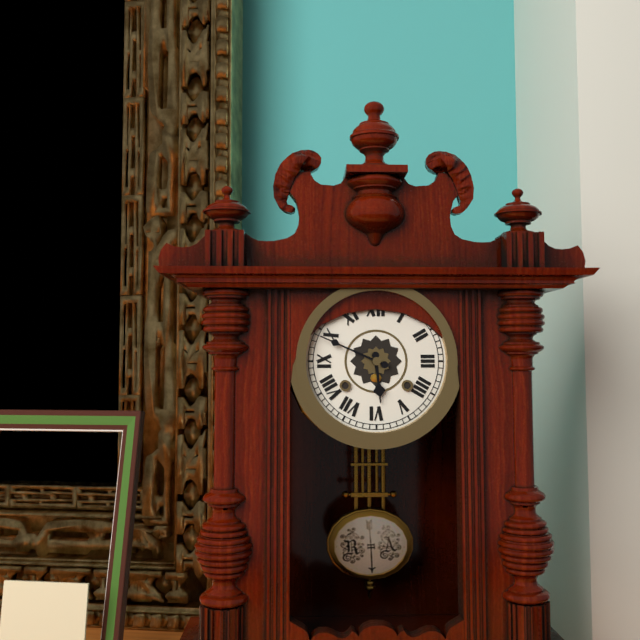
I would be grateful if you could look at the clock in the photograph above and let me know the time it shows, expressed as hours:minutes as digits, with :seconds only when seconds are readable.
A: 5:49
